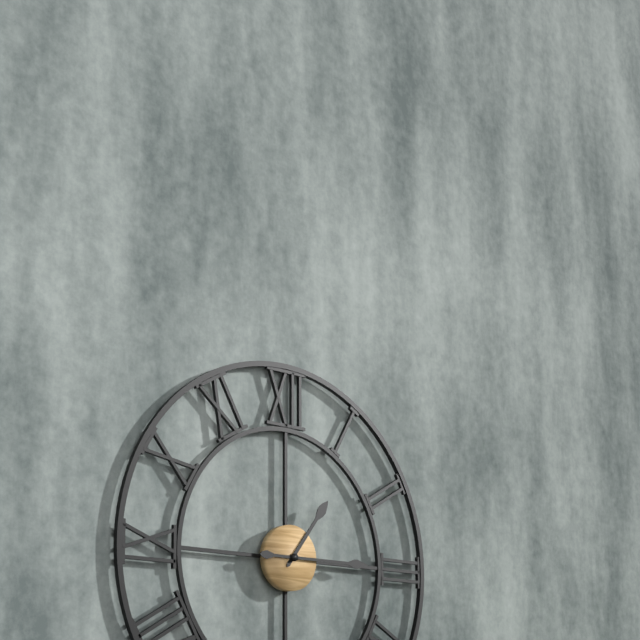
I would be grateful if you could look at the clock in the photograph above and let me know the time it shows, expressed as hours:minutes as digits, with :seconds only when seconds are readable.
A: 1:15
